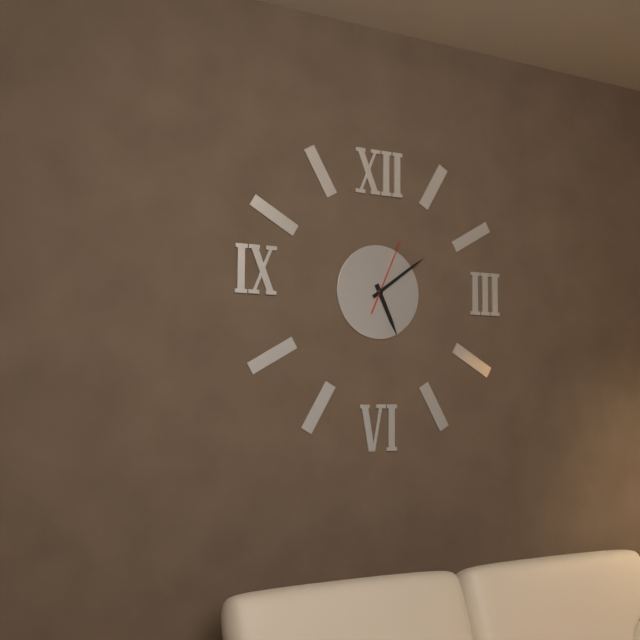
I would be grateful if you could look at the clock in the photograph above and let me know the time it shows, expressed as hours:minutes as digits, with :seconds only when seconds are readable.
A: 5:09:04
